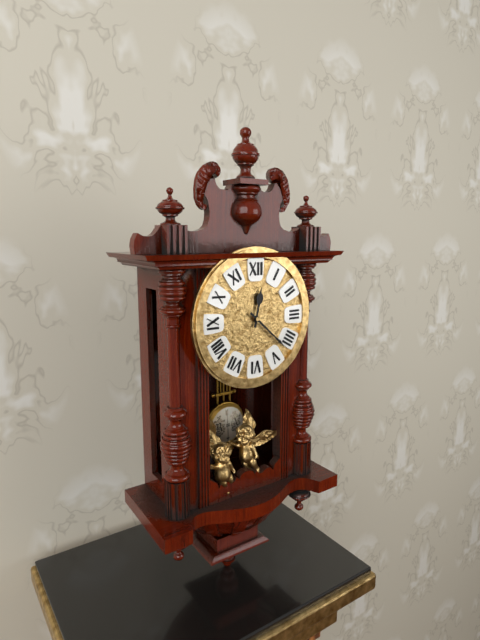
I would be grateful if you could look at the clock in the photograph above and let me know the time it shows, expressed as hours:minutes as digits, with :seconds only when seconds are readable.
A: 12:22
